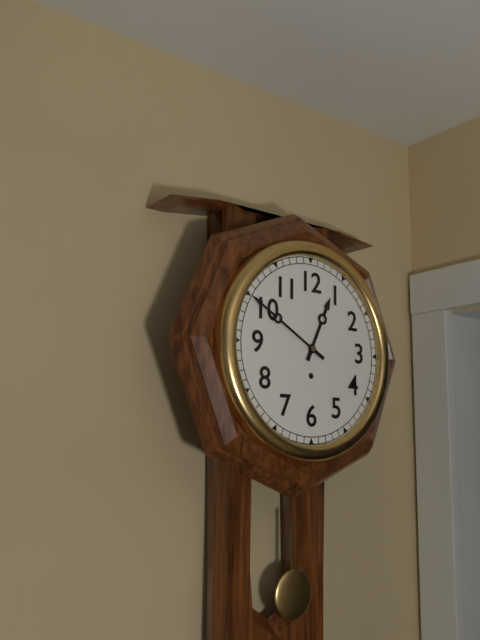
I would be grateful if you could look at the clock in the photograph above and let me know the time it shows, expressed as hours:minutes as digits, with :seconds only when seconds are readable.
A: 12:50
